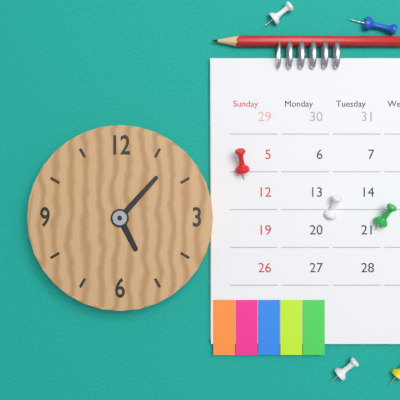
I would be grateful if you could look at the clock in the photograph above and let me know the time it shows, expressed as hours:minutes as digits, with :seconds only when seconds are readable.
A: 5:07
